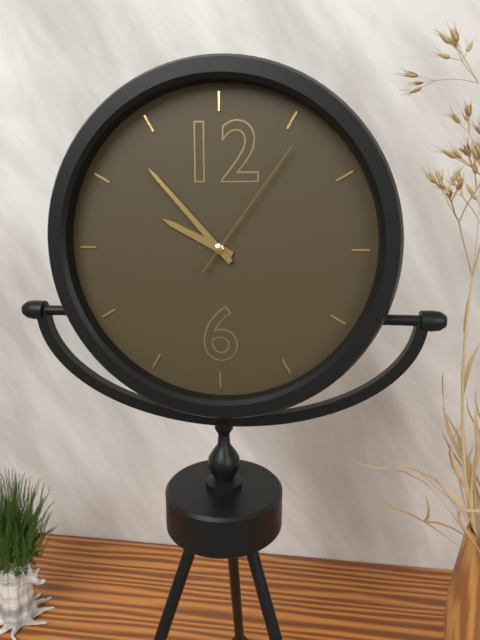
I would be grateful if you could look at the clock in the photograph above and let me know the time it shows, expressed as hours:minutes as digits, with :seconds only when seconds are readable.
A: 9:53:06
